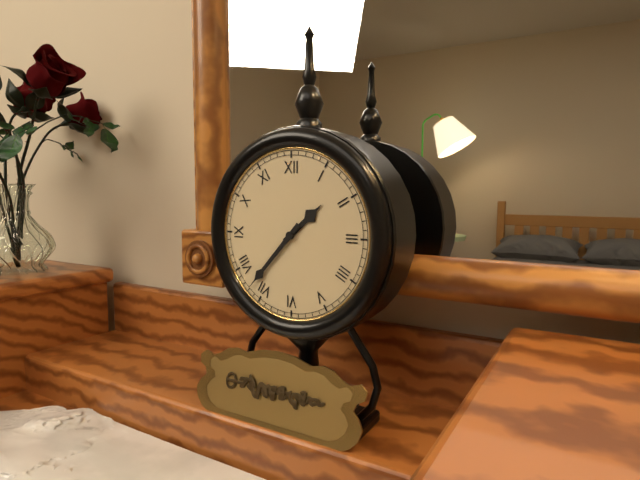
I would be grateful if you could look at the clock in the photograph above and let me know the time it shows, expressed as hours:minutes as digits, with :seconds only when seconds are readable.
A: 1:37
